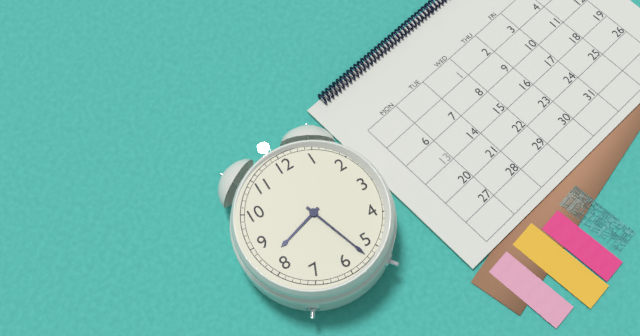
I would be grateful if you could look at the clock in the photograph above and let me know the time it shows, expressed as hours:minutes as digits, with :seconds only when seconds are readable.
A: 8:27
